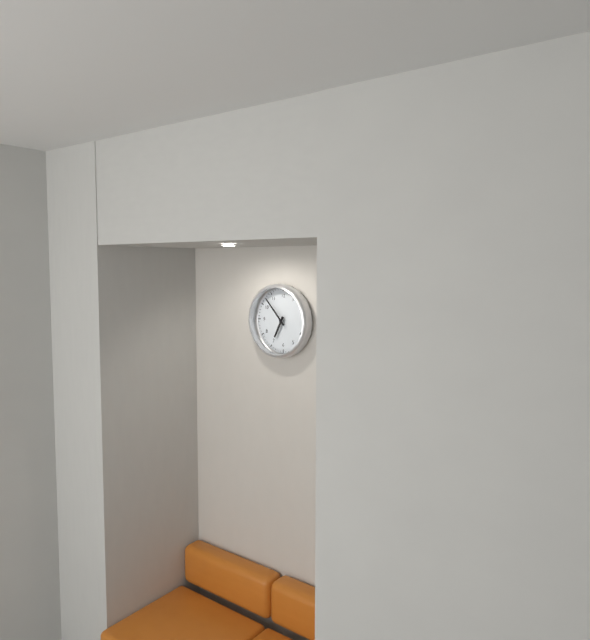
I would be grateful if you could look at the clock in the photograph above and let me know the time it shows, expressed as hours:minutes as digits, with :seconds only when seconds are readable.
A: 6:53
